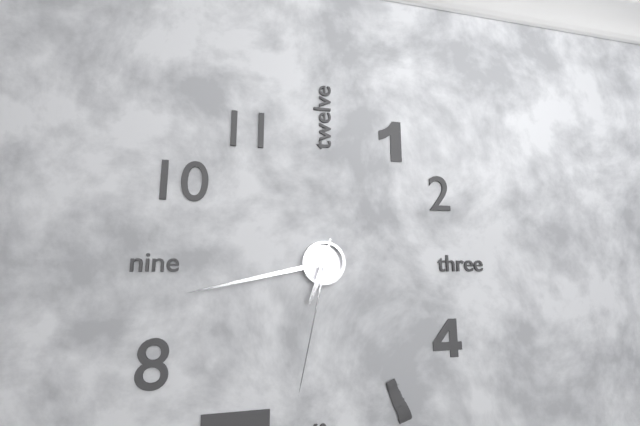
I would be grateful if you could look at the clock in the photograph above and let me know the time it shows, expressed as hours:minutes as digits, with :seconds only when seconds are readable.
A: 6:43:32
